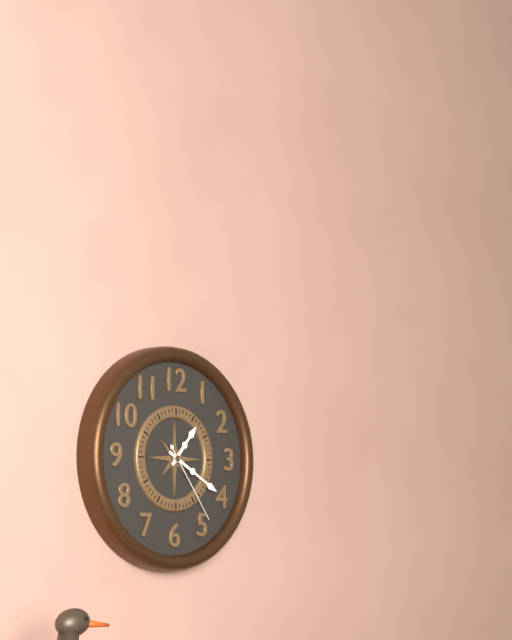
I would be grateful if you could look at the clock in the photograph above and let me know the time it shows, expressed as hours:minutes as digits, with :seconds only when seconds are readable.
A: 1:20:24
